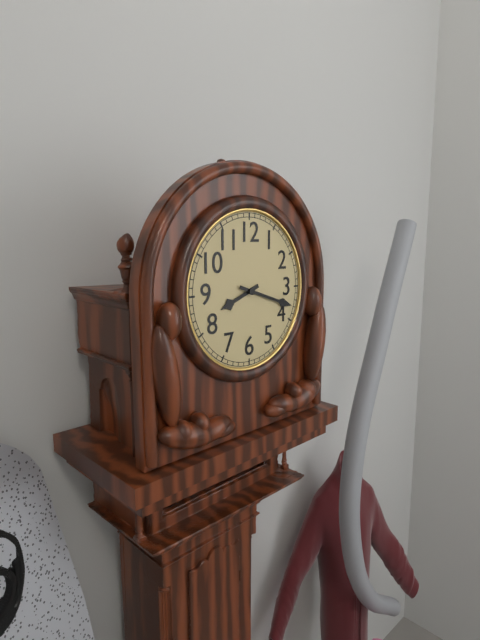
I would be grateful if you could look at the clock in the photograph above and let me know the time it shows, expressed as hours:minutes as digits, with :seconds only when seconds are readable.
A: 8:18
